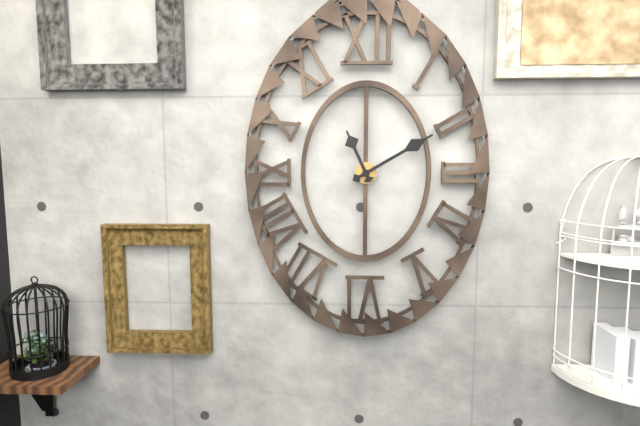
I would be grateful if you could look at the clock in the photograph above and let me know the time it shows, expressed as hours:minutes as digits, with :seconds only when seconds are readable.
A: 11:10
